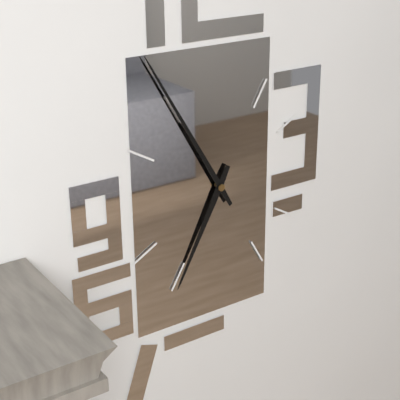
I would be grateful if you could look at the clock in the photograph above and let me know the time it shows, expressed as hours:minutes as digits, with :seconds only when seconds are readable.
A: 6:55
